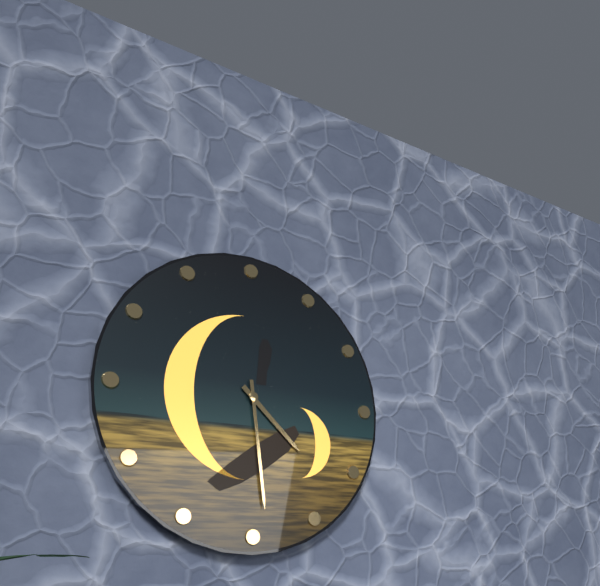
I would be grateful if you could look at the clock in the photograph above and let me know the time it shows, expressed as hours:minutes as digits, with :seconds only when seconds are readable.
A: 4:29
